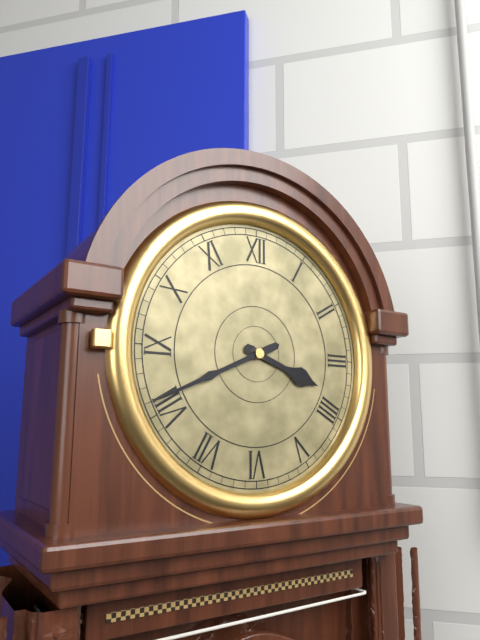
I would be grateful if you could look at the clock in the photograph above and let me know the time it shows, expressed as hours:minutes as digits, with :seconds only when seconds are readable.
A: 3:41
